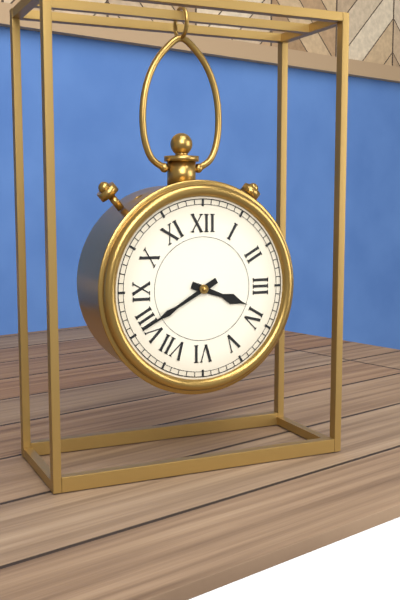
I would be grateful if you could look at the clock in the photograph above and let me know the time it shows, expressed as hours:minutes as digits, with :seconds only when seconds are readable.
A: 3:40
